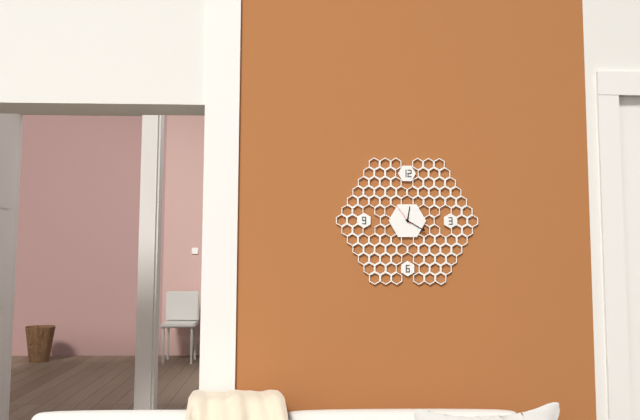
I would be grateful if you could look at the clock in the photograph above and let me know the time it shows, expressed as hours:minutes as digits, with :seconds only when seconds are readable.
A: 12:20
